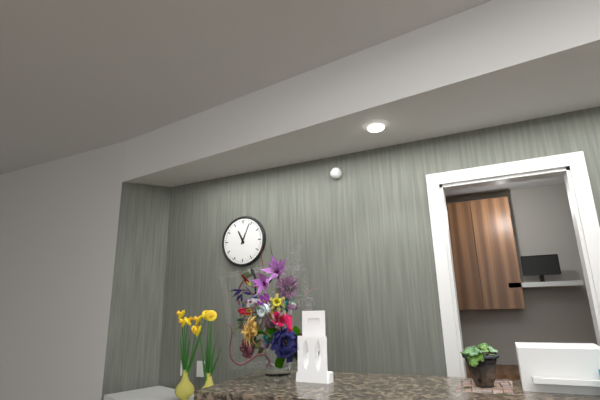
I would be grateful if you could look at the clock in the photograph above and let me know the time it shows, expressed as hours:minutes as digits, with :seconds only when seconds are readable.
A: 11:04
